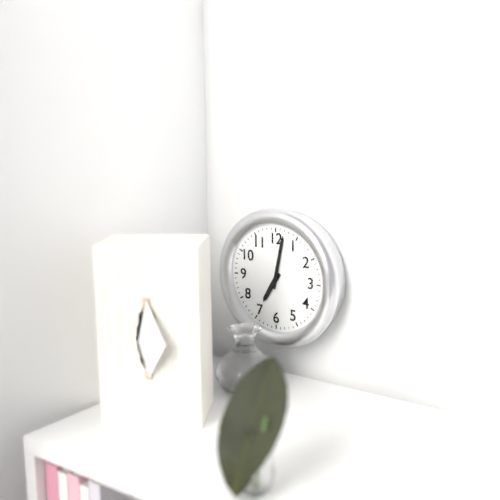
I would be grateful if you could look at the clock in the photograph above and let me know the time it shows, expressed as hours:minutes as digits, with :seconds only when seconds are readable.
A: 7:02
